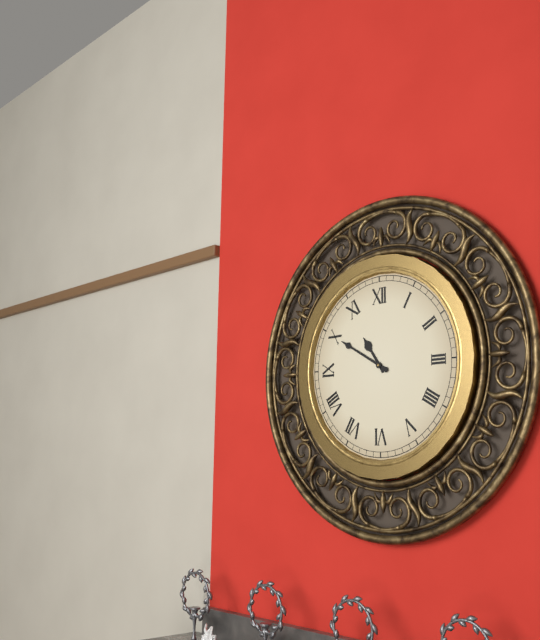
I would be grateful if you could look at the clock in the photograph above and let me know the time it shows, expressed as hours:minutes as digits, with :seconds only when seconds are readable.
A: 10:50
